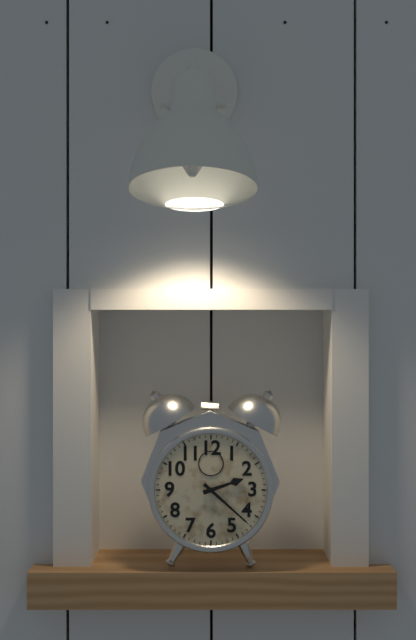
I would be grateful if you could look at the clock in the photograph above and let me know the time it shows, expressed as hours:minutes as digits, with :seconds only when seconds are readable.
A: 2:22
